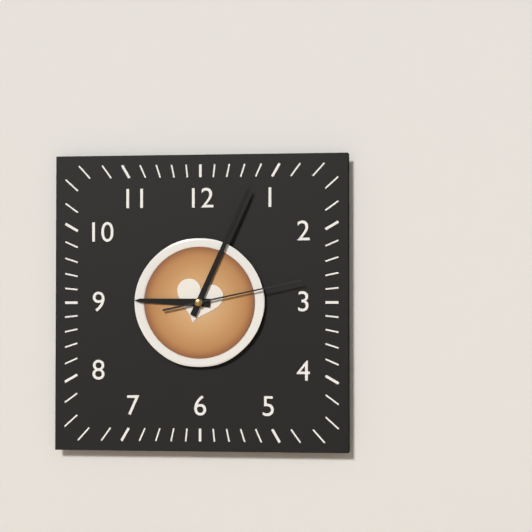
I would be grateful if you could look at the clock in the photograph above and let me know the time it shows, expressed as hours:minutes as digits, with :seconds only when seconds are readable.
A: 9:04:13
